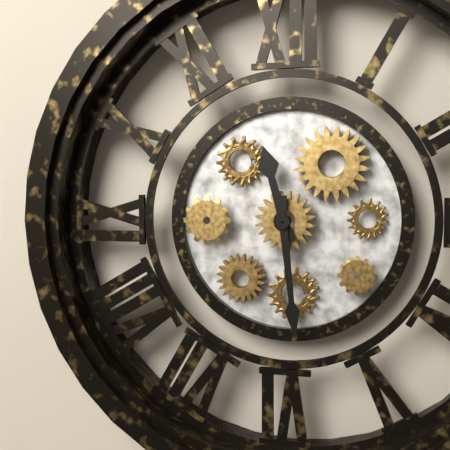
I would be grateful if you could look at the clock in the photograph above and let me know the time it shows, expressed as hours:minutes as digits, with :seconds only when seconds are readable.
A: 11:29
